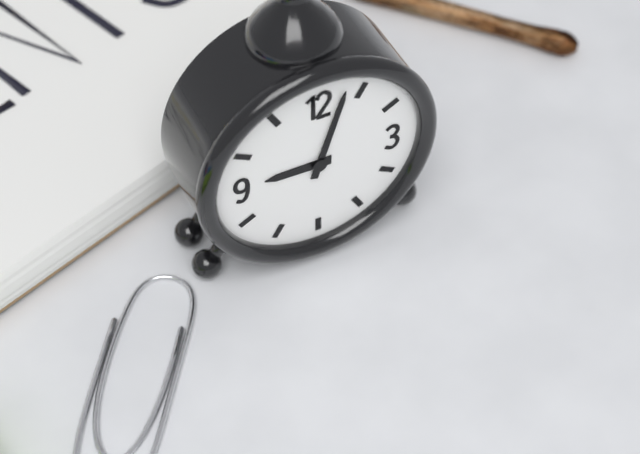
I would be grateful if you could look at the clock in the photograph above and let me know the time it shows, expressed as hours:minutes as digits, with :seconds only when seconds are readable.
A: 9:03
